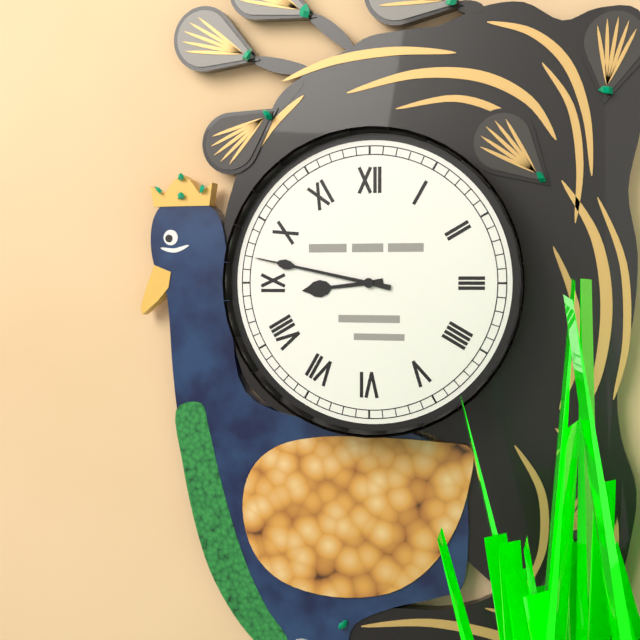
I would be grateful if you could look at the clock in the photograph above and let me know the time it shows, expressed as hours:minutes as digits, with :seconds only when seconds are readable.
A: 8:47
